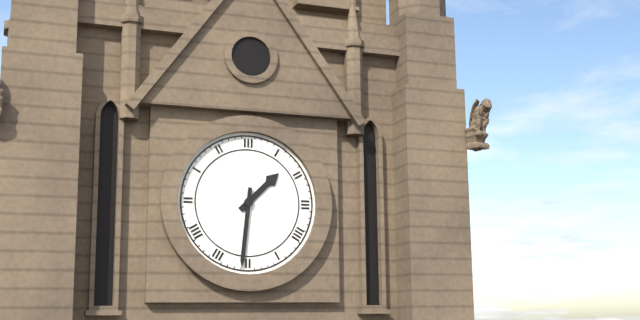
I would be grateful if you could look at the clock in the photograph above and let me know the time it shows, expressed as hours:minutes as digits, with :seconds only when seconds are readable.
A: 1:31
